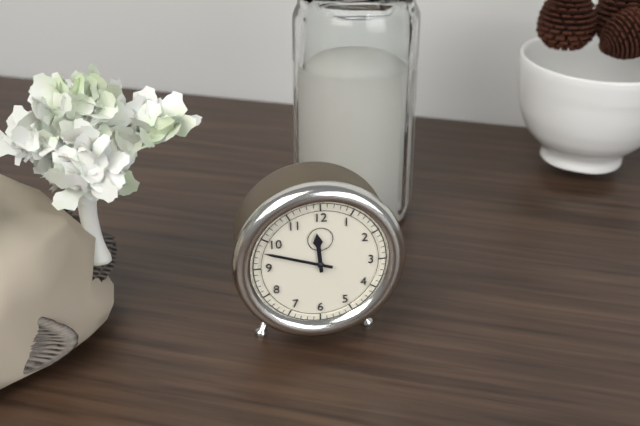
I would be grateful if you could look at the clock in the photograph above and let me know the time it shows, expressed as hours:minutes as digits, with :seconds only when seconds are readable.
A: 11:48
